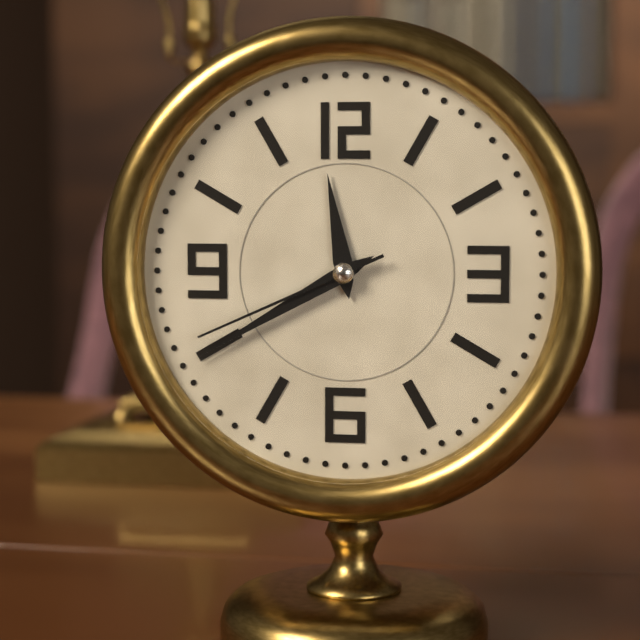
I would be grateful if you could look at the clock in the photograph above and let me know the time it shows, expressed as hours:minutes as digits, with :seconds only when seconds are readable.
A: 11:40:41
